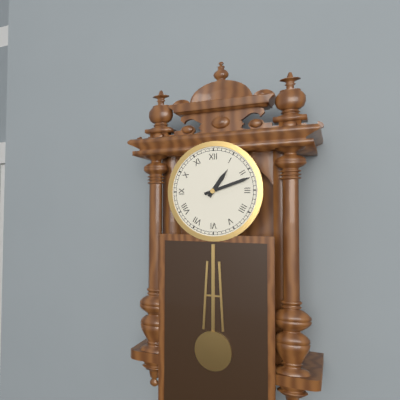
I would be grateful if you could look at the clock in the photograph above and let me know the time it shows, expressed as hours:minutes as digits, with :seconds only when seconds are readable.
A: 1:12
